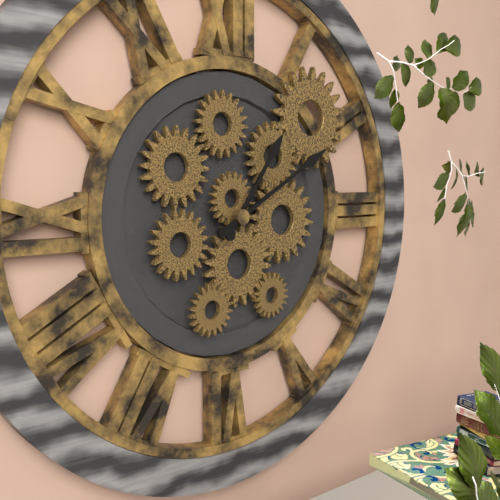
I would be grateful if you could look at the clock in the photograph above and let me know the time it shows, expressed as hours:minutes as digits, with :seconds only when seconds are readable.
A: 1:10
